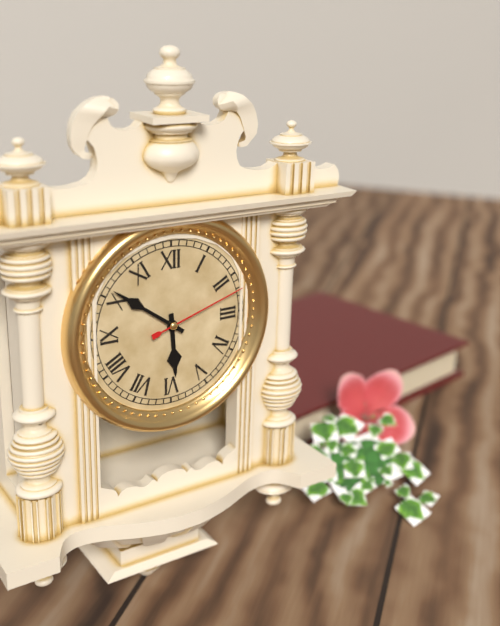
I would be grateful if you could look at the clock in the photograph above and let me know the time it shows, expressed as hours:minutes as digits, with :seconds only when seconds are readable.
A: 5:51:12
